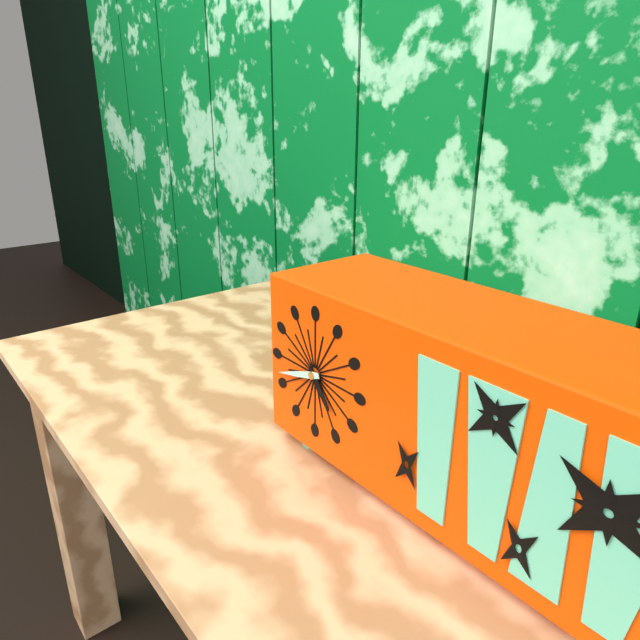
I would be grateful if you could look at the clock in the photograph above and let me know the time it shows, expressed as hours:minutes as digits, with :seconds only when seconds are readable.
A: 4:42
